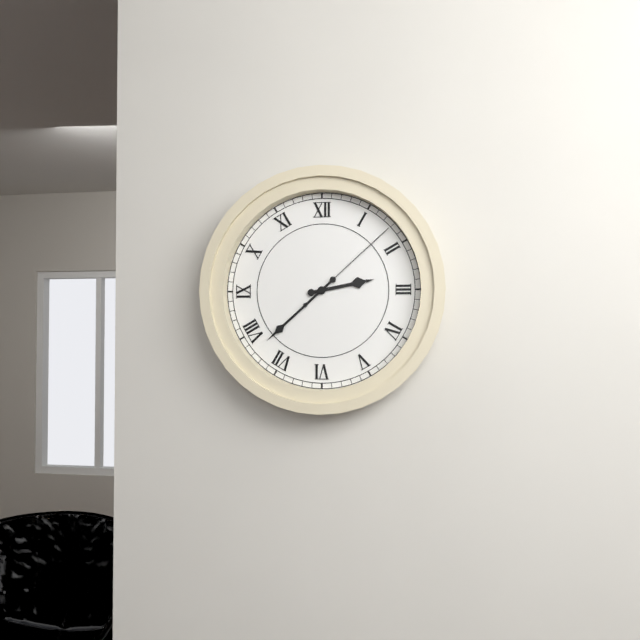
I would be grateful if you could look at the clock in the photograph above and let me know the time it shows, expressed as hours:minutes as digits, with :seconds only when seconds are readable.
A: 2:38:08
